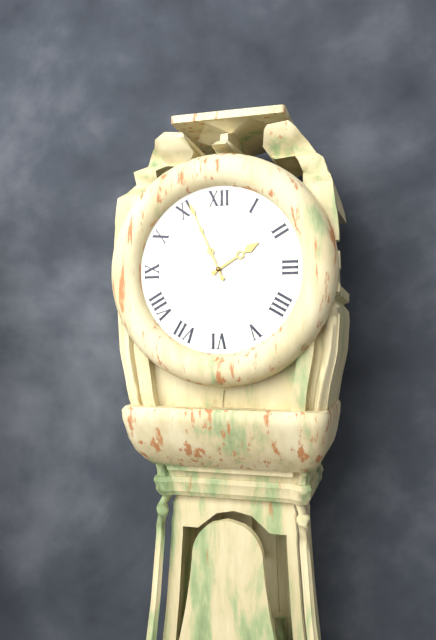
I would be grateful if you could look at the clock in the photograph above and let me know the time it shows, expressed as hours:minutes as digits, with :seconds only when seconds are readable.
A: 1:56
